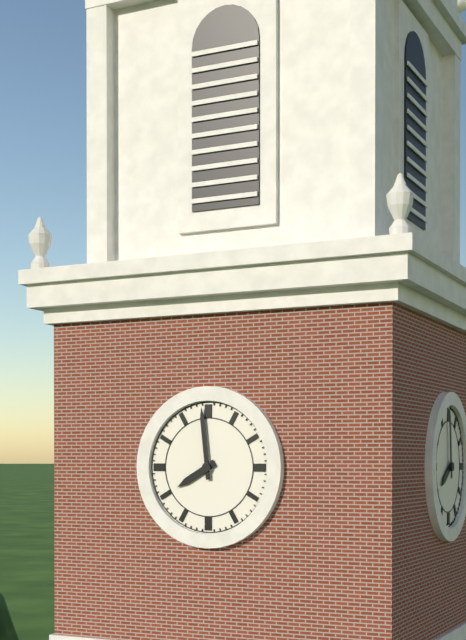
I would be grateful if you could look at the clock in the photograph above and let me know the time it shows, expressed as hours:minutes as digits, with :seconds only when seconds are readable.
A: 7:59
